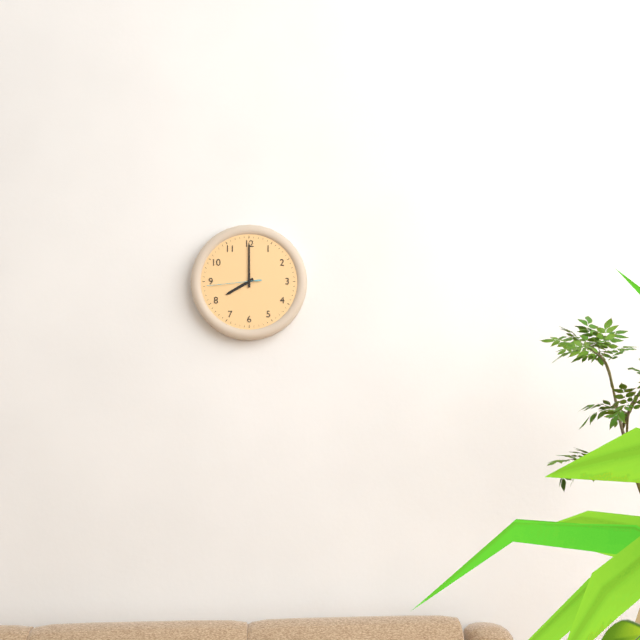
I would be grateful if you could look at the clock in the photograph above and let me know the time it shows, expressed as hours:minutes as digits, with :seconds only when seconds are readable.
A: 8:00:44
